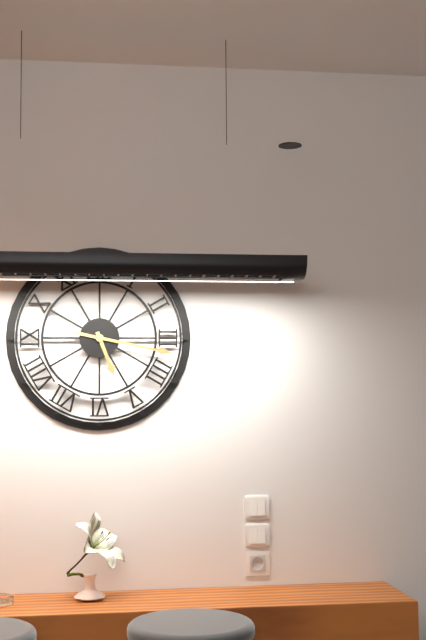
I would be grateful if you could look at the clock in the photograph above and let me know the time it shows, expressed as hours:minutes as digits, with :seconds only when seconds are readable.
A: 5:17
